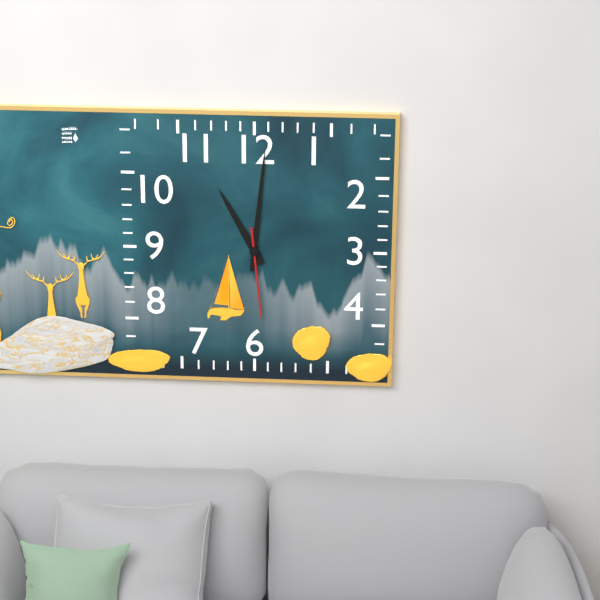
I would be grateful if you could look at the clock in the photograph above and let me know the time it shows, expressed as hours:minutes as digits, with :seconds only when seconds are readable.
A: 11:01:29
